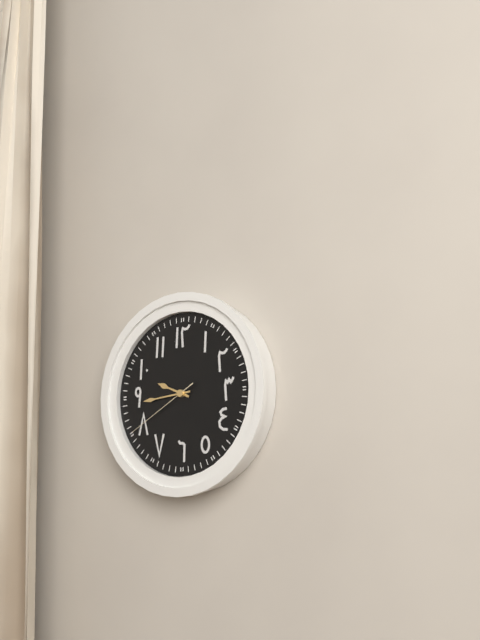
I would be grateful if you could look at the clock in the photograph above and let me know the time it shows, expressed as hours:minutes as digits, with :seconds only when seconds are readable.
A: 9:44:40
